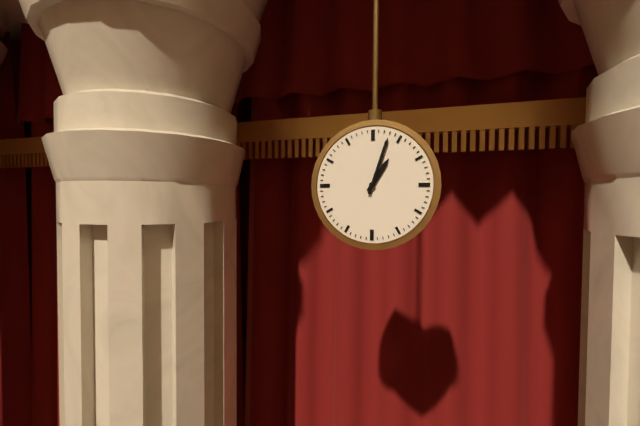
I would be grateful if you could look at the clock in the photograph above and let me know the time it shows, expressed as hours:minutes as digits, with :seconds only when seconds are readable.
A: 1:03
